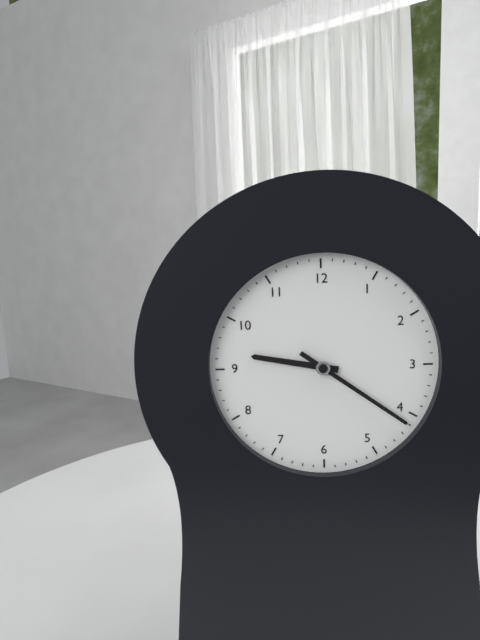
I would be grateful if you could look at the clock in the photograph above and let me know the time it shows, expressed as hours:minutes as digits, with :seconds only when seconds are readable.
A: 9:21
